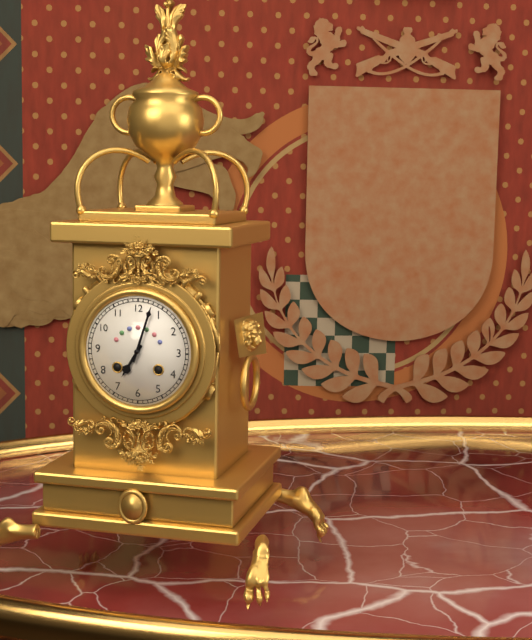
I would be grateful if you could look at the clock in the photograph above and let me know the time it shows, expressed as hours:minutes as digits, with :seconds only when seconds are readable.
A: 7:03
